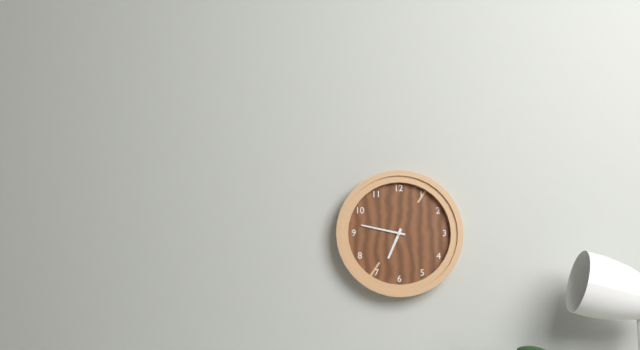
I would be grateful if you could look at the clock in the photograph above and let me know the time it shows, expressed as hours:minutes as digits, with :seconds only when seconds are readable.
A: 6:47
